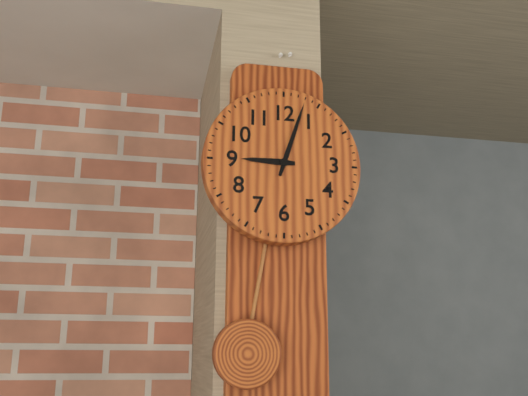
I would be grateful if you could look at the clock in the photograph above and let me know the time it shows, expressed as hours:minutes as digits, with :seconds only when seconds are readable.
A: 9:03
